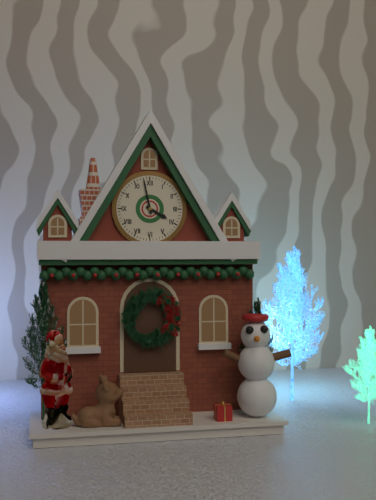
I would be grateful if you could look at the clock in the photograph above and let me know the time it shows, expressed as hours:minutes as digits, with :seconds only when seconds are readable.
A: 3:58
